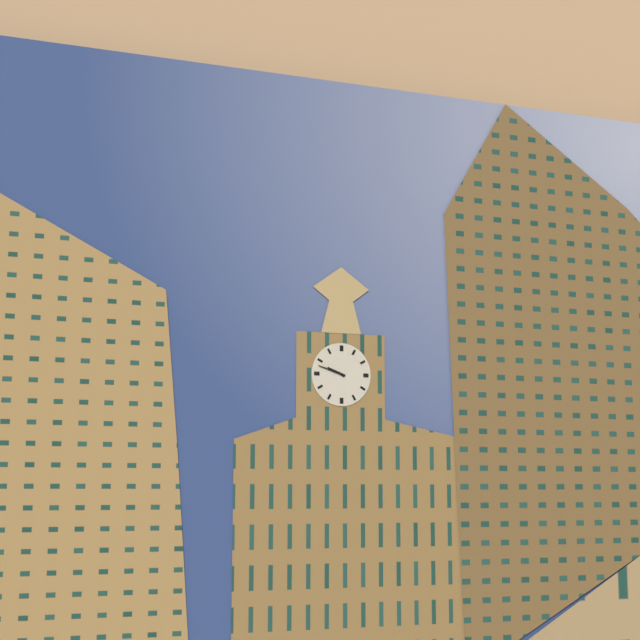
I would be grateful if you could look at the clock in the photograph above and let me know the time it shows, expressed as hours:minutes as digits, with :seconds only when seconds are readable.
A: 9:48
